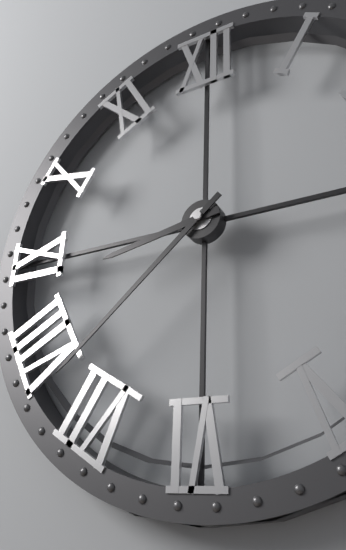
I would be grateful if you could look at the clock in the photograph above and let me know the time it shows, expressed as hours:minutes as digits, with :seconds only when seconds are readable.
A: 8:38
